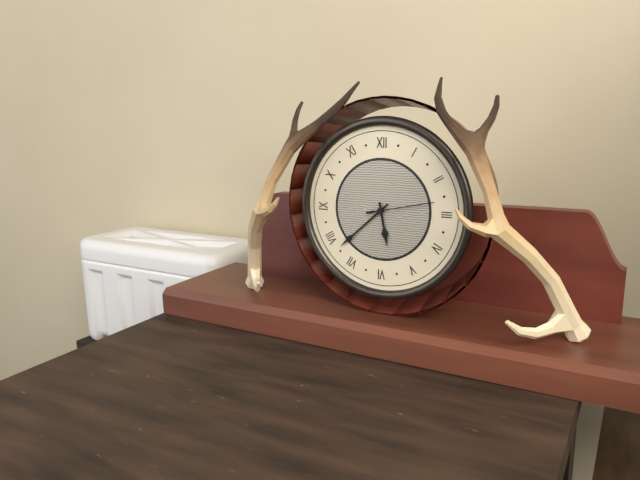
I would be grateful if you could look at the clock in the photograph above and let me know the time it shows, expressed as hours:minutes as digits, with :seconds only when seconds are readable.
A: 5:38:13
